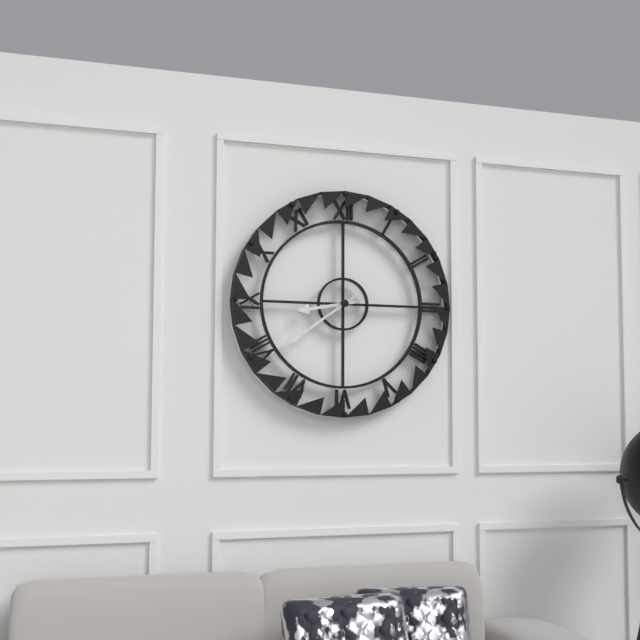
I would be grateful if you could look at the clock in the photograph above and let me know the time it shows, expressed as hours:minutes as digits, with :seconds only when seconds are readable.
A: 8:39
